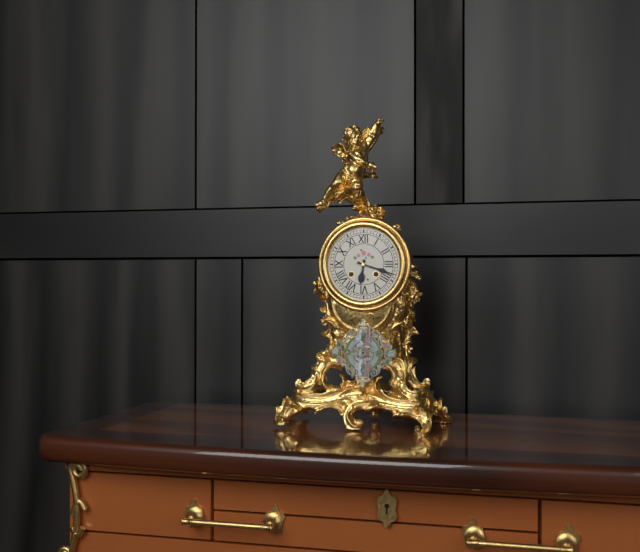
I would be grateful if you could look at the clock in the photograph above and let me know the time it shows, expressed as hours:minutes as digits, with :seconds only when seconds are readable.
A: 6:18
